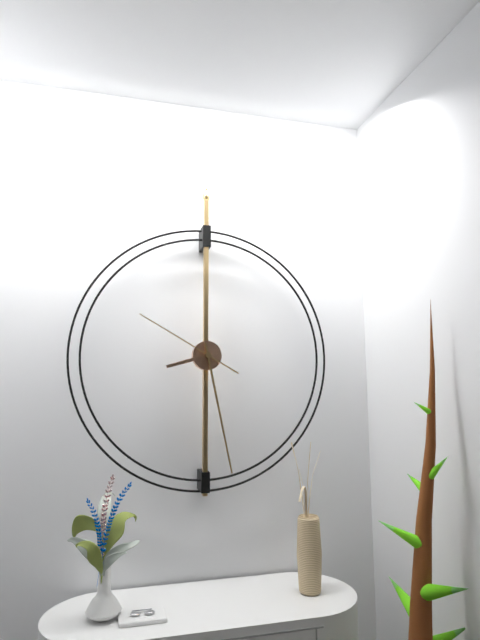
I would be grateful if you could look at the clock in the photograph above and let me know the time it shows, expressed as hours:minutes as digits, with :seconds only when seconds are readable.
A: 8:28:50
